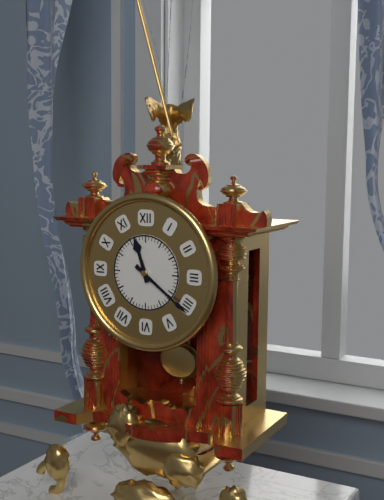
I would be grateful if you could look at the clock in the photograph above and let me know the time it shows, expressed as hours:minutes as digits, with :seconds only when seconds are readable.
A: 11:21
